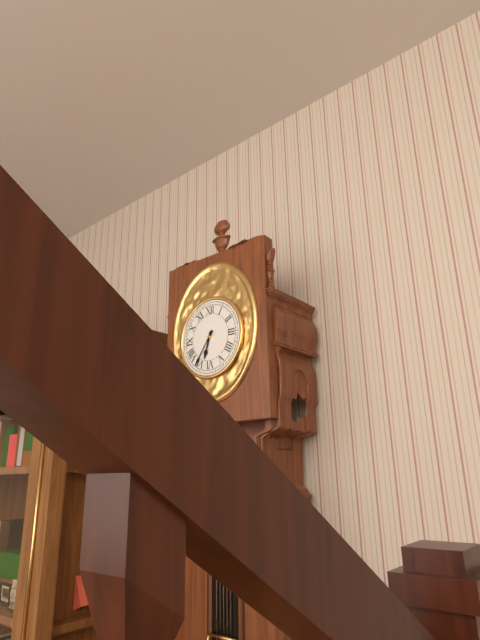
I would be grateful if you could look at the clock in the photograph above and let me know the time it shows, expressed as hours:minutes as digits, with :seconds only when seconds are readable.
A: 6:36
